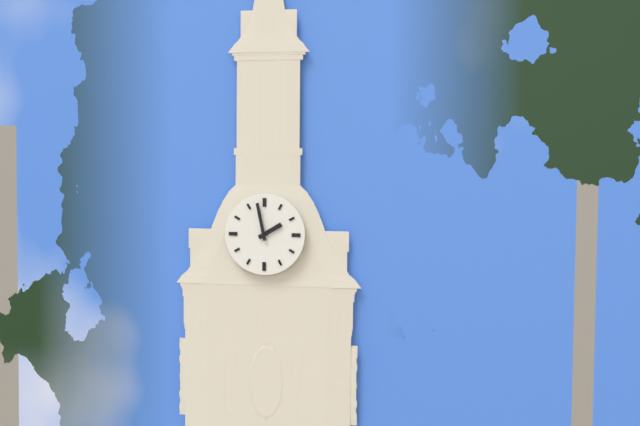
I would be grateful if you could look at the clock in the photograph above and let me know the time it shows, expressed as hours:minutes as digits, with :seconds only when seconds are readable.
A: 1:58
